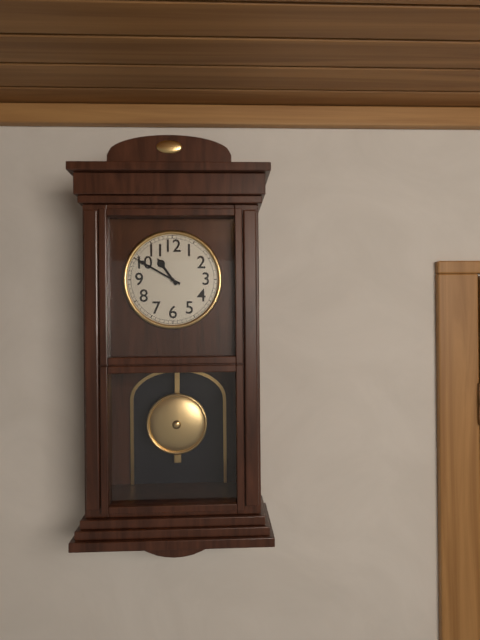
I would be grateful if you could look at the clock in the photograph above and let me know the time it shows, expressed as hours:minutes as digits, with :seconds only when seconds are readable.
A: 10:50
